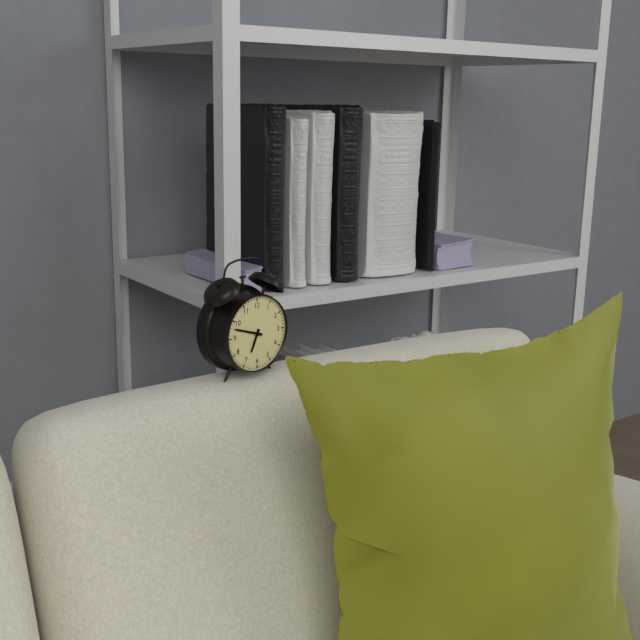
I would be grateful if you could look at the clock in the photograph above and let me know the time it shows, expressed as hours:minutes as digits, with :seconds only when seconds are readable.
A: 6:48
